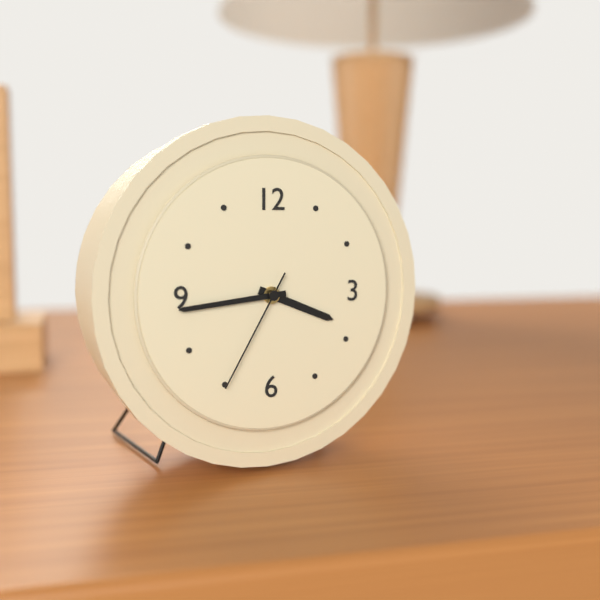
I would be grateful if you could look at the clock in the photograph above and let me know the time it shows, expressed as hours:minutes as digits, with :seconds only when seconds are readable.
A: 3:44:35
